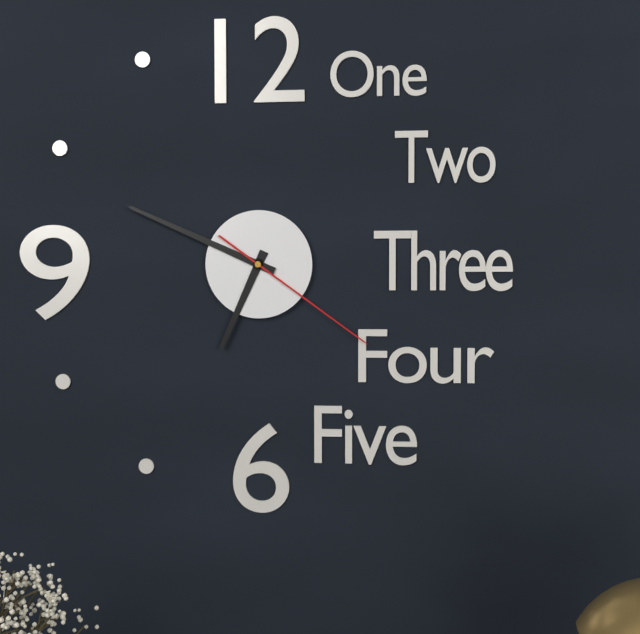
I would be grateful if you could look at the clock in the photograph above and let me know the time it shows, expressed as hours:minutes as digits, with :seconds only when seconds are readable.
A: 6:49:21
